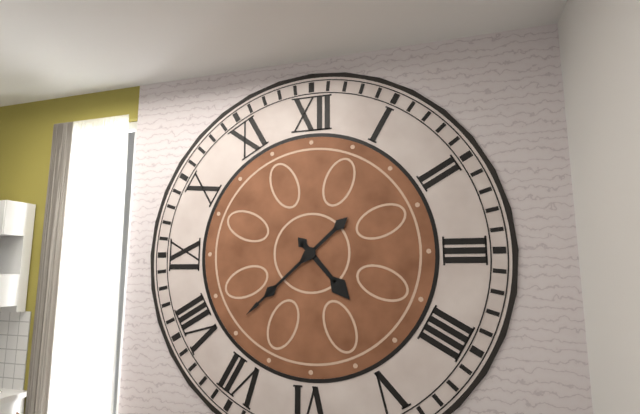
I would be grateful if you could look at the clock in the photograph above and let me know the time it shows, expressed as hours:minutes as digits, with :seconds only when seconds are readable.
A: 4:38
